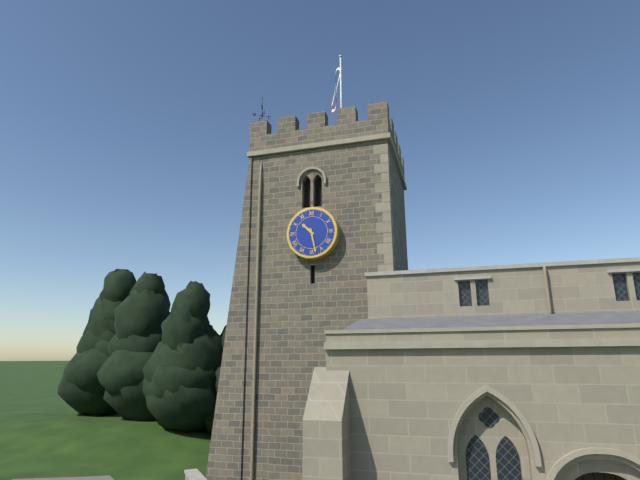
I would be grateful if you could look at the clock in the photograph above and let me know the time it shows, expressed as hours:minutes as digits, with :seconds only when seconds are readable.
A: 10:28
